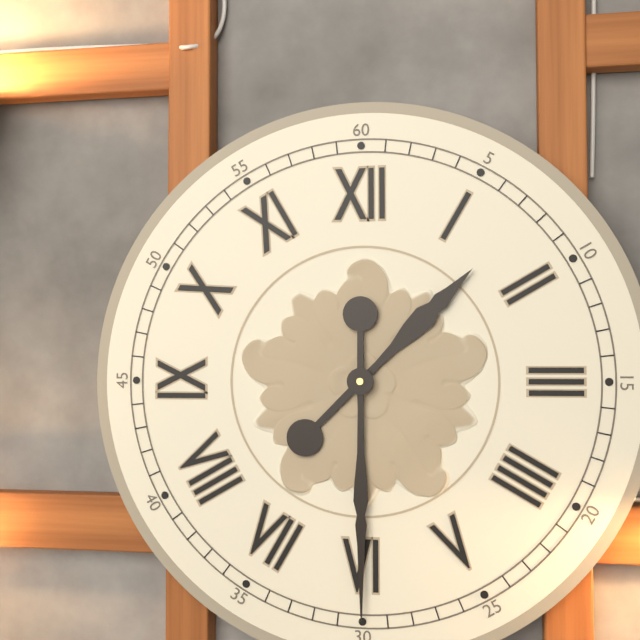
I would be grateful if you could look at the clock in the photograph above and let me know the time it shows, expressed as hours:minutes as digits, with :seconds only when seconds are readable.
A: 1:30
